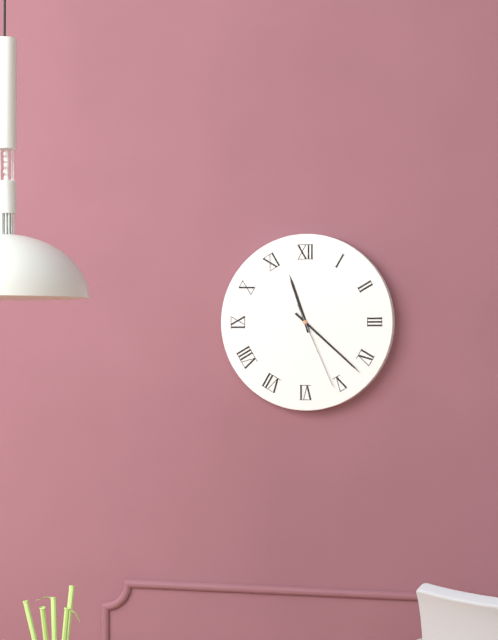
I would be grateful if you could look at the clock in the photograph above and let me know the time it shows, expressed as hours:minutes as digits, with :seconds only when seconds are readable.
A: 11:22:26
